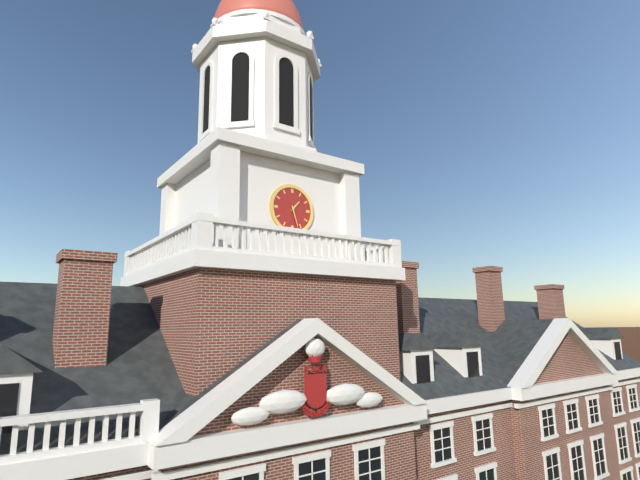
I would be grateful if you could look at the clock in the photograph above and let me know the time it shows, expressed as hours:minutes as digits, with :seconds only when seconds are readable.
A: 1:27
